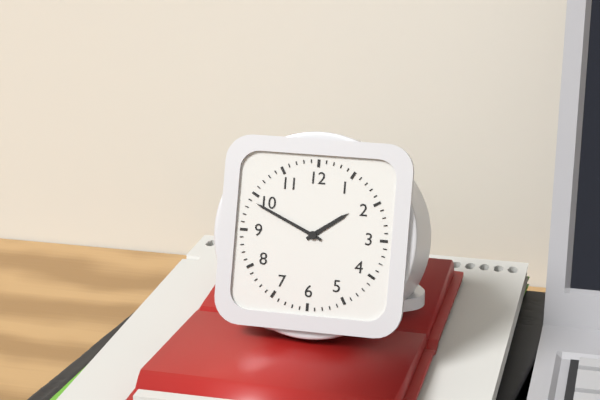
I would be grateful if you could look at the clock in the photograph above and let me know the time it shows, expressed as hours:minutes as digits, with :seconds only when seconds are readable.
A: 1:49
